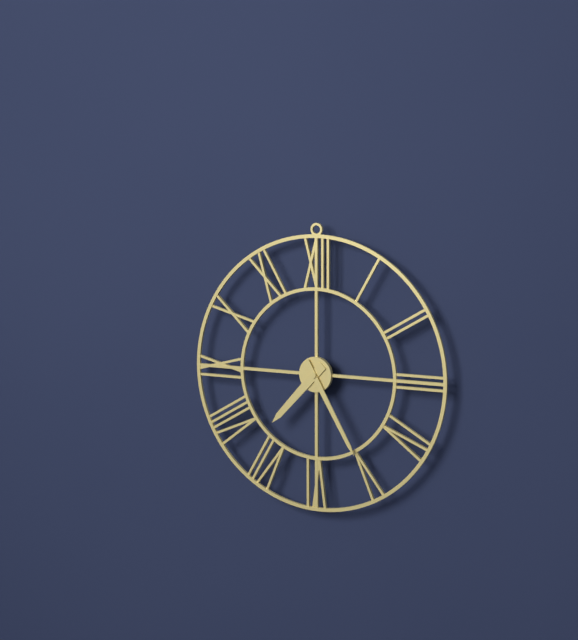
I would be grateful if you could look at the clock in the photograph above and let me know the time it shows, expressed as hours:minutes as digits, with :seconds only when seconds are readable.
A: 7:25
